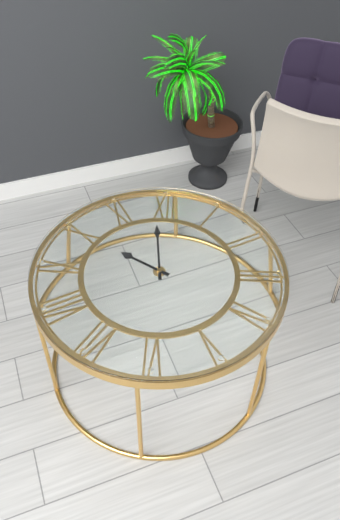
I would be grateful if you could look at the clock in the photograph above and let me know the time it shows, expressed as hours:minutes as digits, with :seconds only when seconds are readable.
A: 9:59
